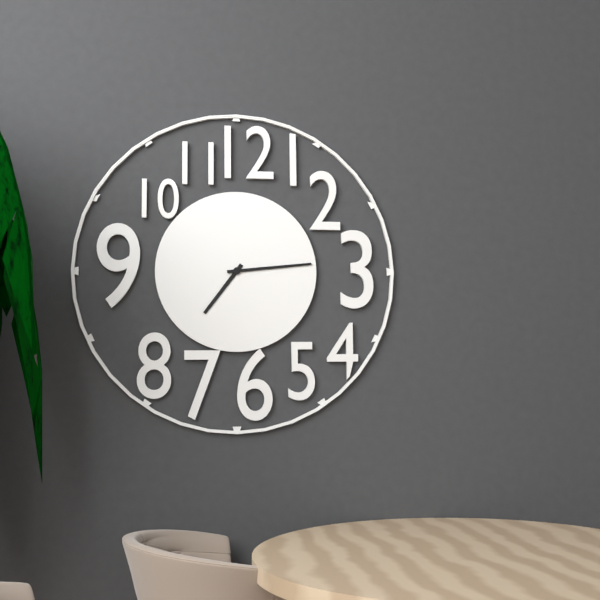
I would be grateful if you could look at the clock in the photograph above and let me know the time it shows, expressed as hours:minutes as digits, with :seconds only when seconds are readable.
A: 7:14
